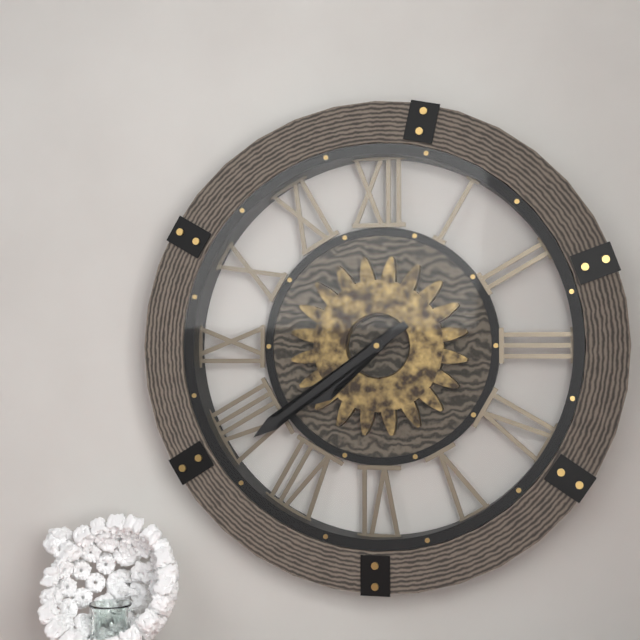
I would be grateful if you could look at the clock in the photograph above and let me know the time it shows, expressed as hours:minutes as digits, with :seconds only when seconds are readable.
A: 7:39
